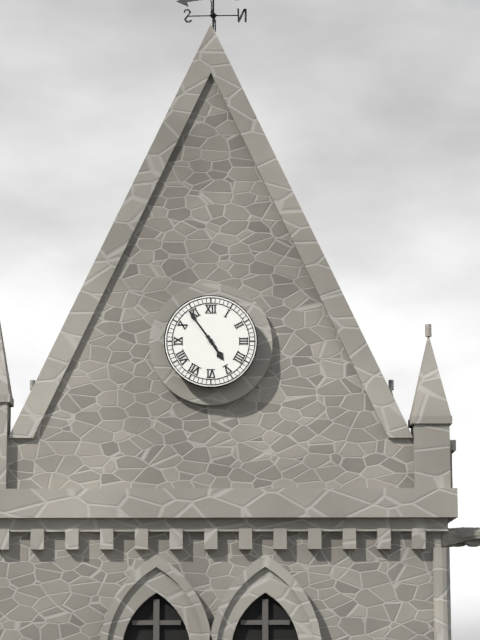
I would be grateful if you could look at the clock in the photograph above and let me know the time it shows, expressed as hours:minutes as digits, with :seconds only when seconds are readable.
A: 4:54
